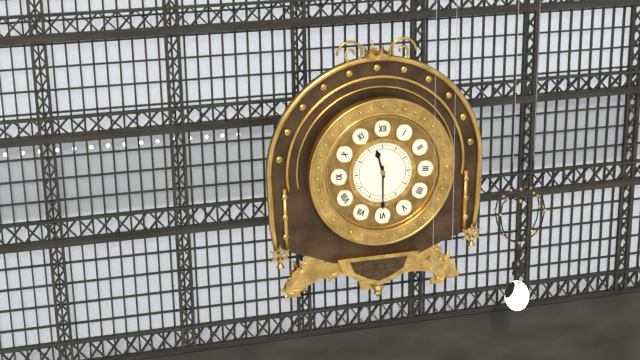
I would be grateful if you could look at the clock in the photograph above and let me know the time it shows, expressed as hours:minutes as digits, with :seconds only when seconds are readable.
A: 11:30
